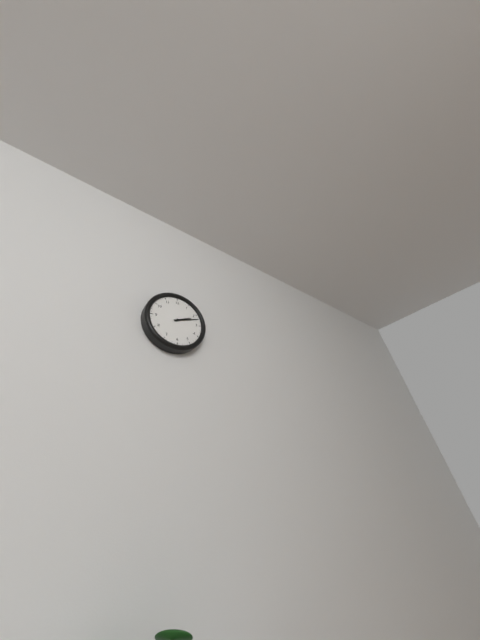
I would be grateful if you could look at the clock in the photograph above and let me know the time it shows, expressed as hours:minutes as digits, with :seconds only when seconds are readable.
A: 2:12
